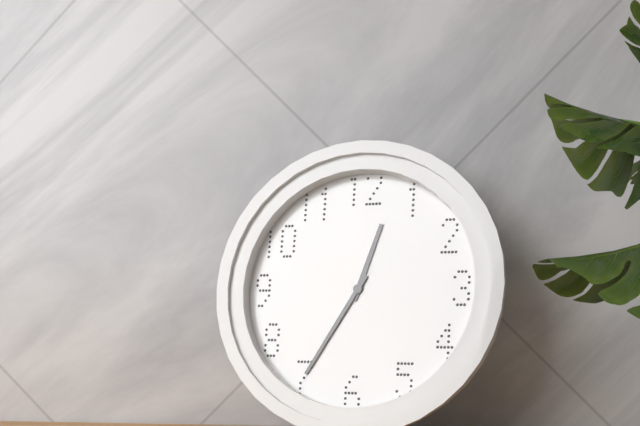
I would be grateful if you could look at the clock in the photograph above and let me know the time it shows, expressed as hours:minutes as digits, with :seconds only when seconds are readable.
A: 12:35
